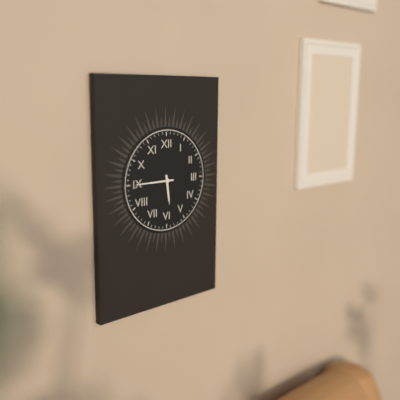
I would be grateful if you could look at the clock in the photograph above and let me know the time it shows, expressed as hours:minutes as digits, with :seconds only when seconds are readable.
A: 5:45
